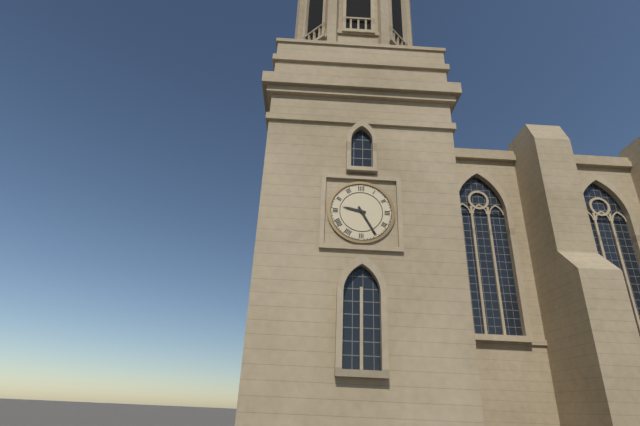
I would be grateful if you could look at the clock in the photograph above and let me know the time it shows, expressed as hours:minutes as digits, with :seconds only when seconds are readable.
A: 9:25
